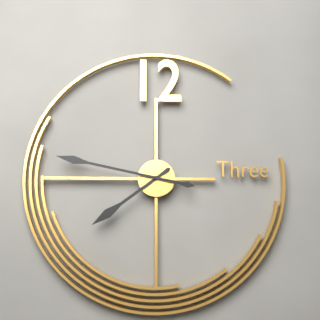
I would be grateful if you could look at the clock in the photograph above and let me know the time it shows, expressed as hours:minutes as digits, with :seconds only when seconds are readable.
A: 7:47
